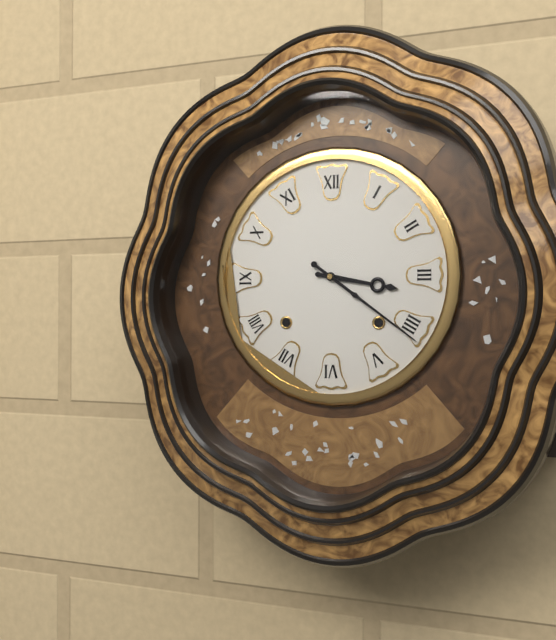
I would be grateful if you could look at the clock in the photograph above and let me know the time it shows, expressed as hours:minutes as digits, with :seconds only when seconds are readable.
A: 3:21
